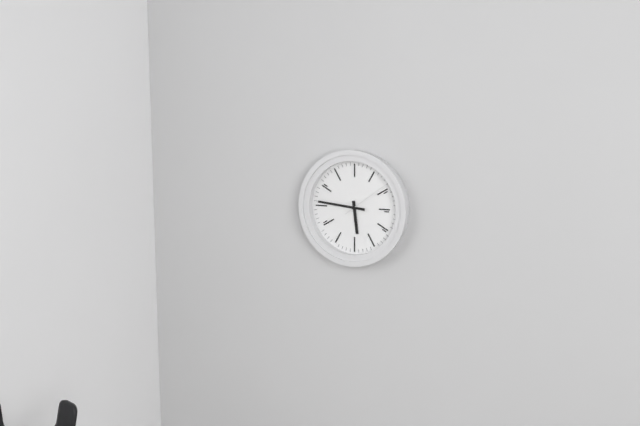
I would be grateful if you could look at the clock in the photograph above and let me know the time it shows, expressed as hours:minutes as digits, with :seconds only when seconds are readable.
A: 5:46
